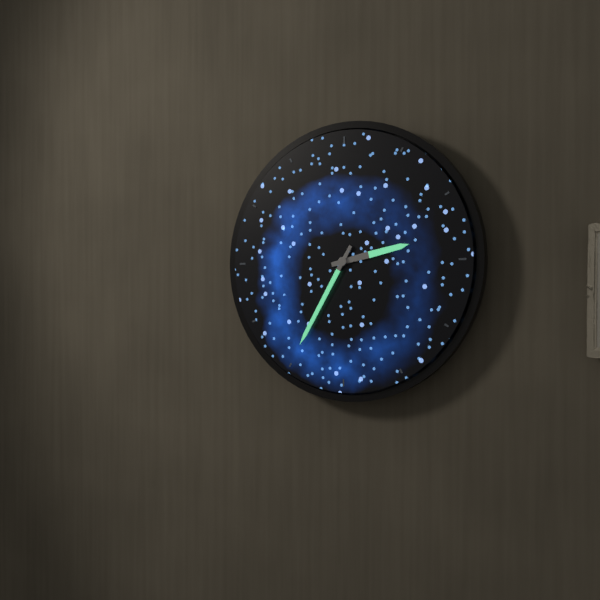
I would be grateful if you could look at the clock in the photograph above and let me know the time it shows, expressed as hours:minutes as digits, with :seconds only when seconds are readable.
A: 2:35
